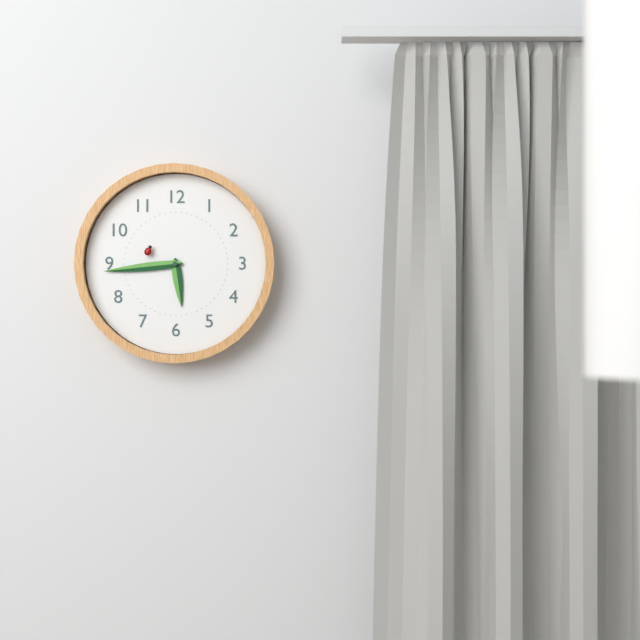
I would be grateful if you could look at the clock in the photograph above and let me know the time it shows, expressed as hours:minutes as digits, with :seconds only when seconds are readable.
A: 5:44
